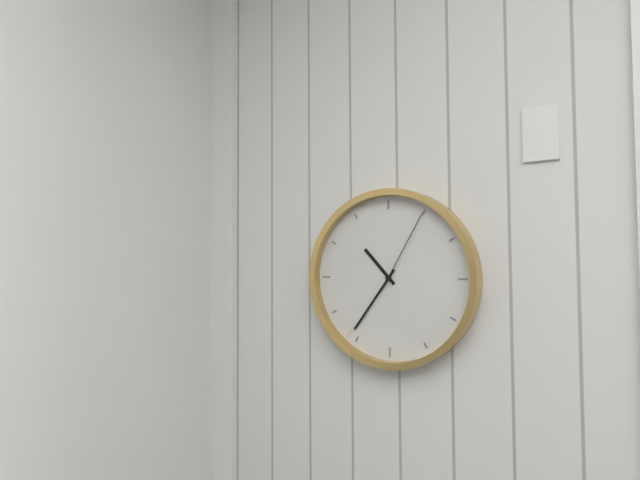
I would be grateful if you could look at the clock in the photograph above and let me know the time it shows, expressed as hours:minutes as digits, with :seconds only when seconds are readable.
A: 10:36:05
